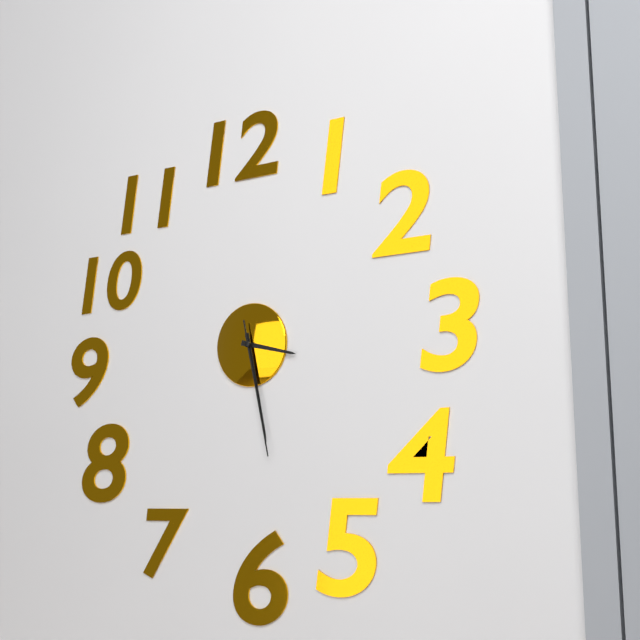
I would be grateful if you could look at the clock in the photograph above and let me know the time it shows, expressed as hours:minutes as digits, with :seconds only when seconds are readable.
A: 3:28:28
